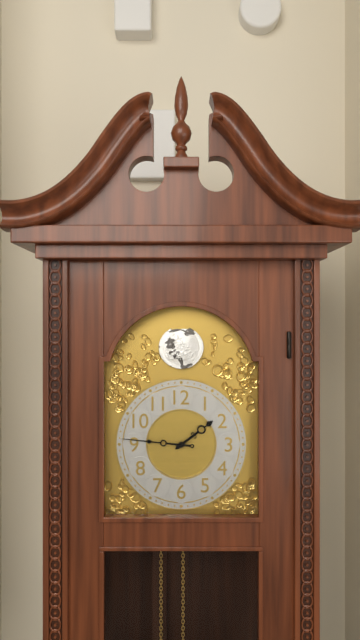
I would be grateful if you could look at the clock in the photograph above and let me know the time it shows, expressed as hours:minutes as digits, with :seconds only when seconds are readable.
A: 1:46
